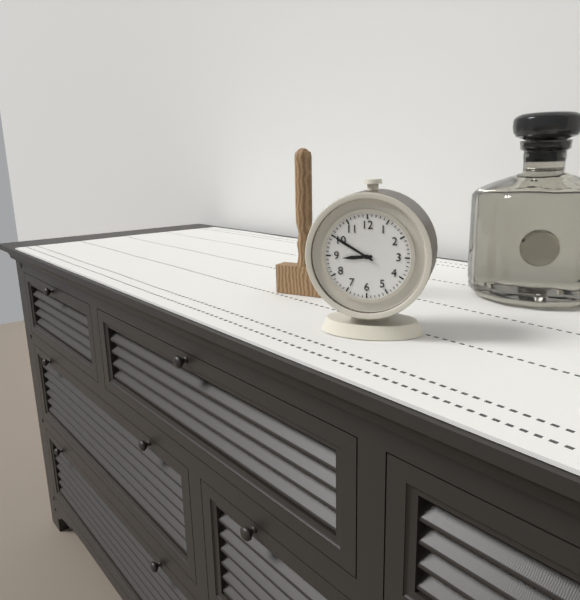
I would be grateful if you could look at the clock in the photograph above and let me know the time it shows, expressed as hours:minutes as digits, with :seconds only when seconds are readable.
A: 8:50
